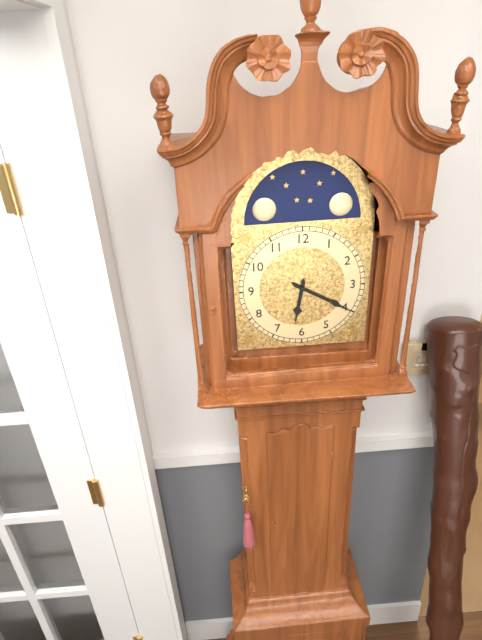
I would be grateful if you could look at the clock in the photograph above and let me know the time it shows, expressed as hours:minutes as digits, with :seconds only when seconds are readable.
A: 6:20
